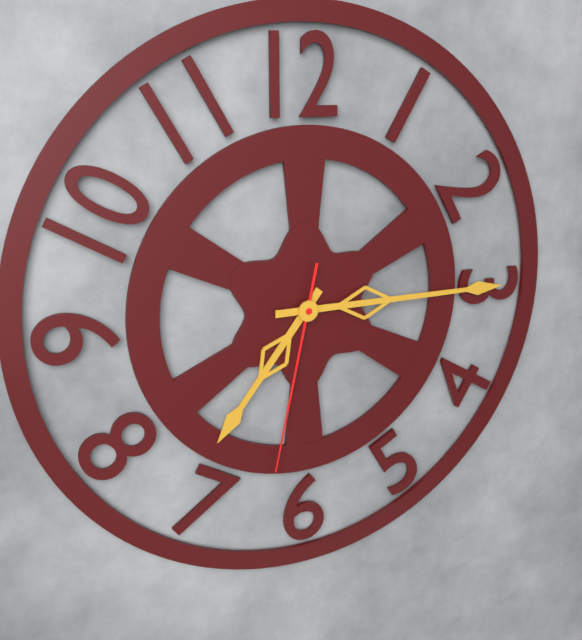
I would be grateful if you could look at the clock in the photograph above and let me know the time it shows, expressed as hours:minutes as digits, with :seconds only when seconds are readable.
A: 7:15:32
